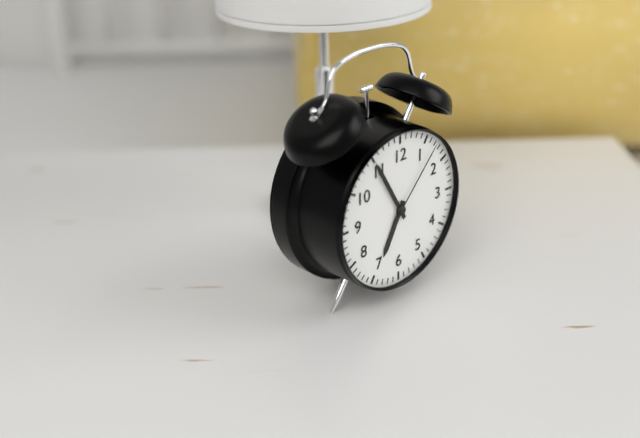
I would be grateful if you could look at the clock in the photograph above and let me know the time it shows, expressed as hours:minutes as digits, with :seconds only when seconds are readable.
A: 6:55:07
